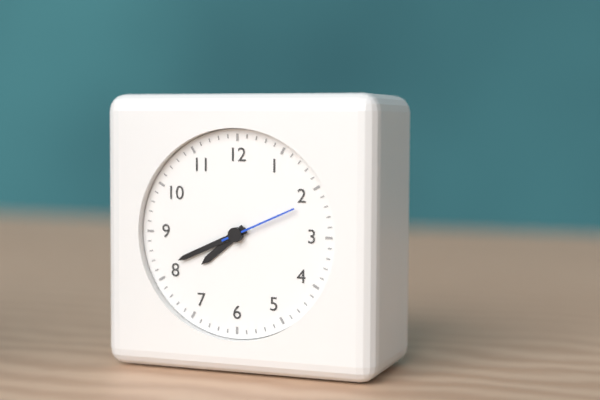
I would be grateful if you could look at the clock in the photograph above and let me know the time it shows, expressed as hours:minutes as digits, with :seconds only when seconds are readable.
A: 7:41:11
